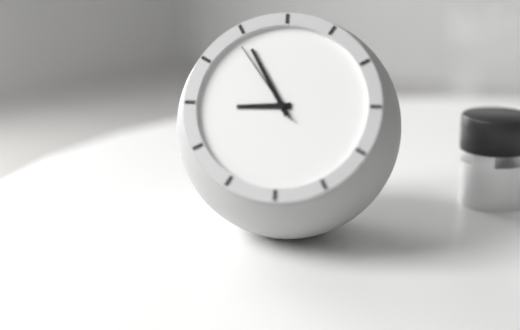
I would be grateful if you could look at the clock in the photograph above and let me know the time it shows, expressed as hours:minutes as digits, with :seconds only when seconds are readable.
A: 8:55:54
